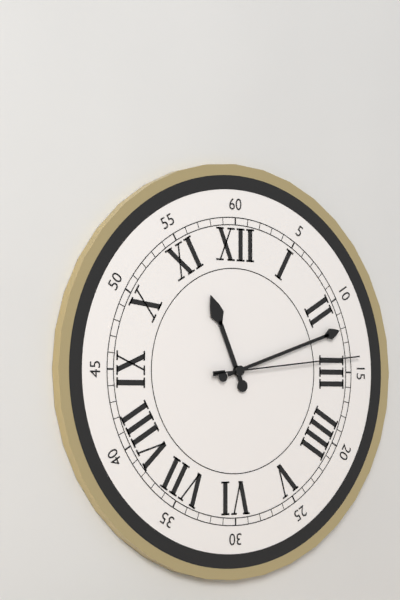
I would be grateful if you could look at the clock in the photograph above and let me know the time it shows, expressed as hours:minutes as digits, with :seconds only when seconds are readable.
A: 11:12:14
